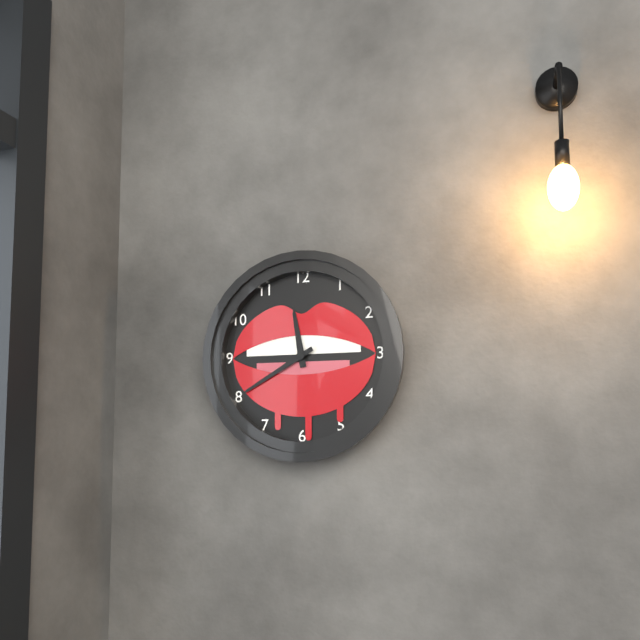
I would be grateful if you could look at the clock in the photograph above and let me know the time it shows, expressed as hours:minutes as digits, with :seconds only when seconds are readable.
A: 11:40
